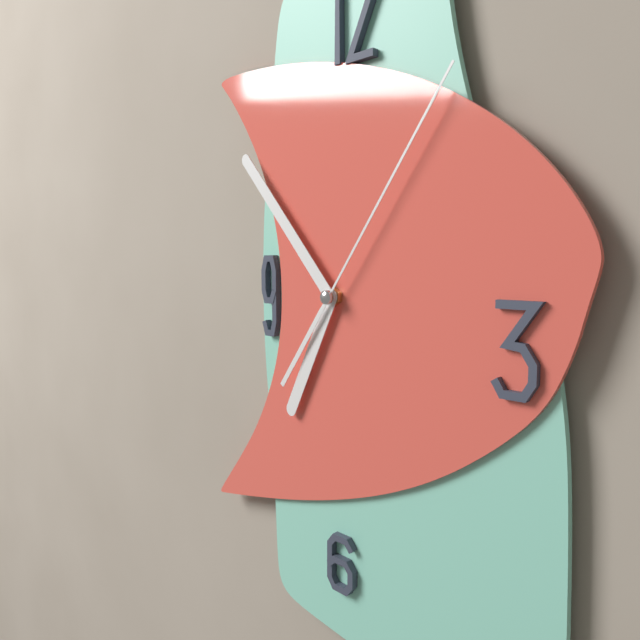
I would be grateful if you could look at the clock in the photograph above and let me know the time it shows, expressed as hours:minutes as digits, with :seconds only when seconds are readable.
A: 6:53:06
